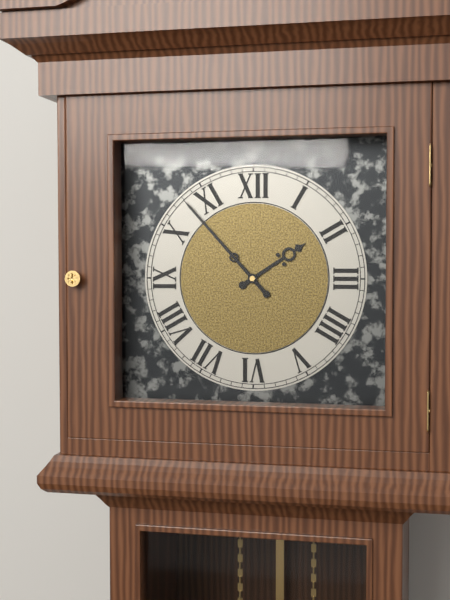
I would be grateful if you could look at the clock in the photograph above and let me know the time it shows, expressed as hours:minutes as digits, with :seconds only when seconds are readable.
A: 1:53
